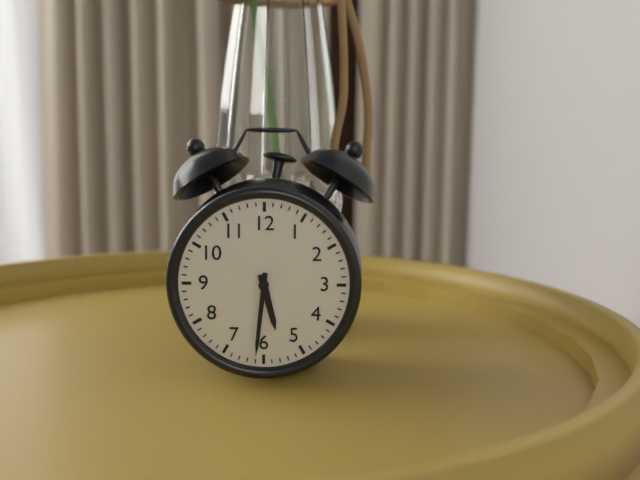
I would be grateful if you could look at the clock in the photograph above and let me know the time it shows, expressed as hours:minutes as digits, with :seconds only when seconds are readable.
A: 5:31
